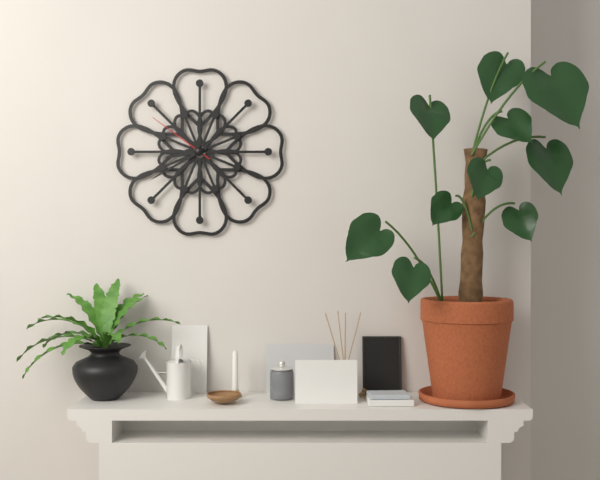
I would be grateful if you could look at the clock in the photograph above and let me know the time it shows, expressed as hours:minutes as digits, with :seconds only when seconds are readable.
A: 8:40:51
